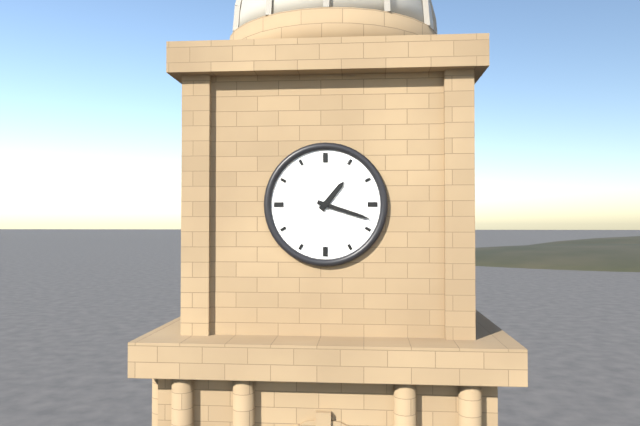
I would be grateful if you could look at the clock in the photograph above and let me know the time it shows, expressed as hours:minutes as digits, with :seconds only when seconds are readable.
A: 1:18
